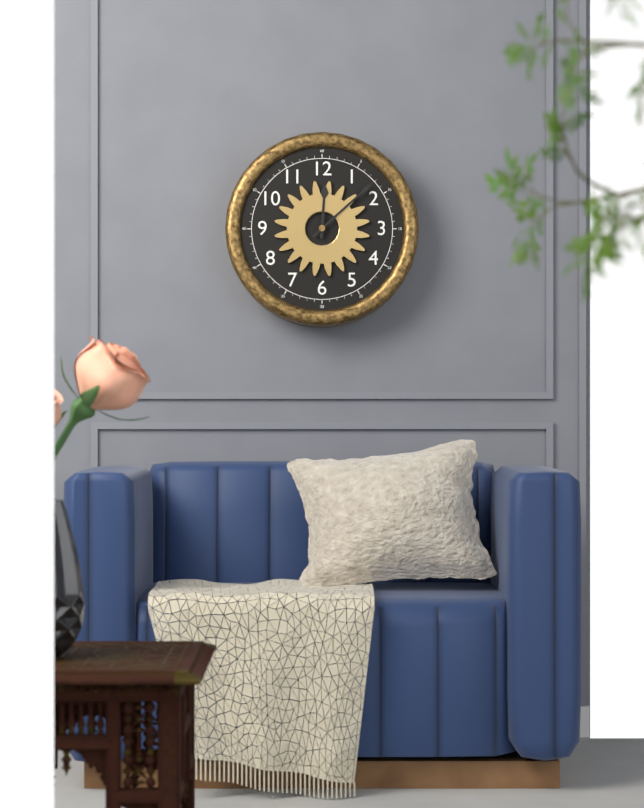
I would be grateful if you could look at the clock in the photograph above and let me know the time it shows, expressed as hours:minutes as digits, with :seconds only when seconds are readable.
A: 12:08
